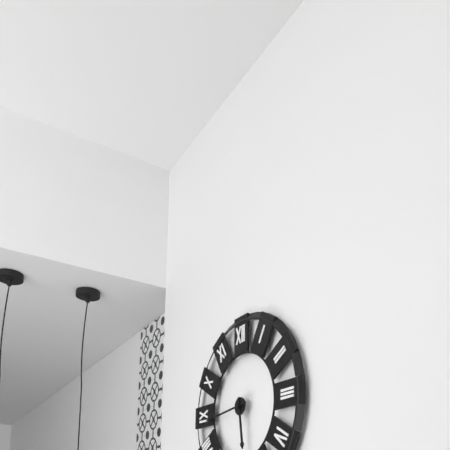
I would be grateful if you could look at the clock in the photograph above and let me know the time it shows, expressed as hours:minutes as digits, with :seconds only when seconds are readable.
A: 5:44
